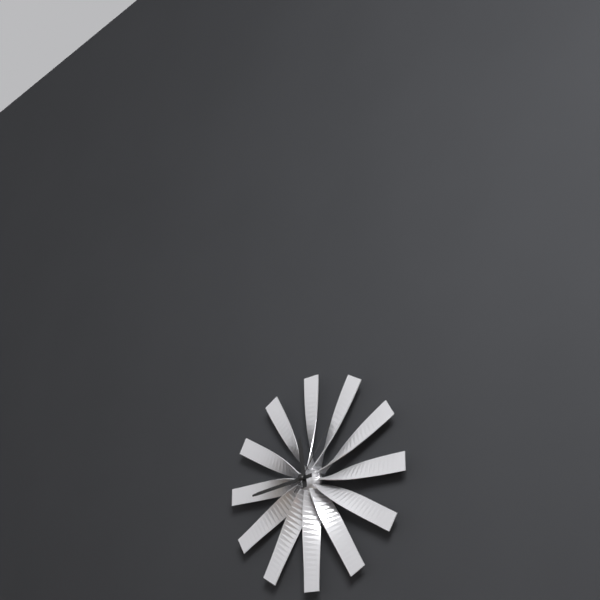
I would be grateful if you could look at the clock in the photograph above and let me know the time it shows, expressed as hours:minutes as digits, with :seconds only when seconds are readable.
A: 11:44:06
